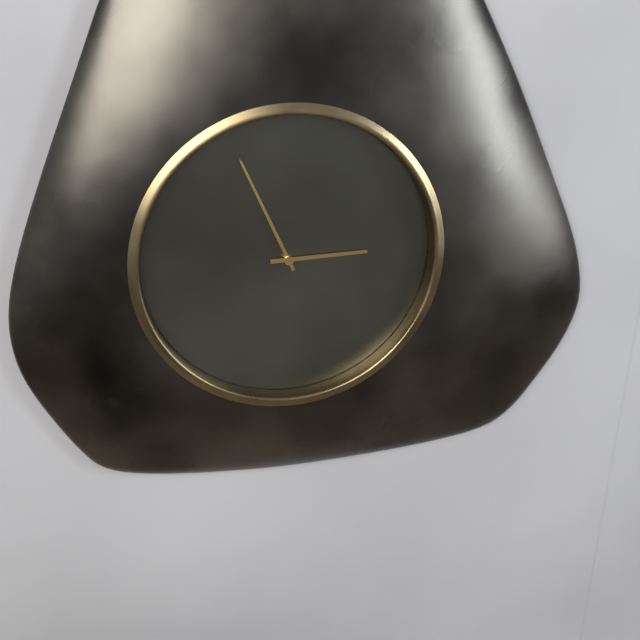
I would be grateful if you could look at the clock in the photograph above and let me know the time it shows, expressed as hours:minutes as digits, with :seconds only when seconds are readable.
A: 2:56
